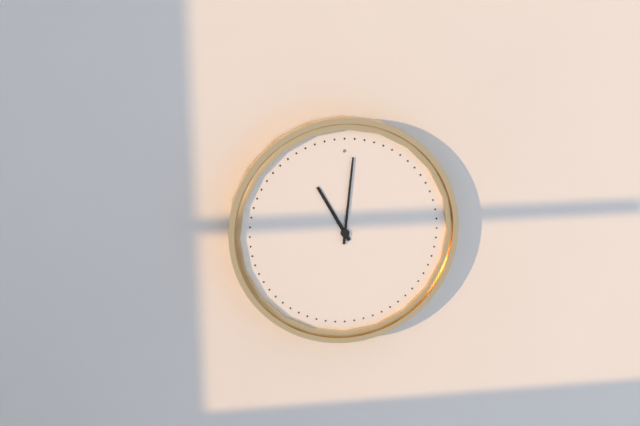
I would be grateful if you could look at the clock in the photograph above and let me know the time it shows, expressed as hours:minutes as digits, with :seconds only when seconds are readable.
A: 11:01
